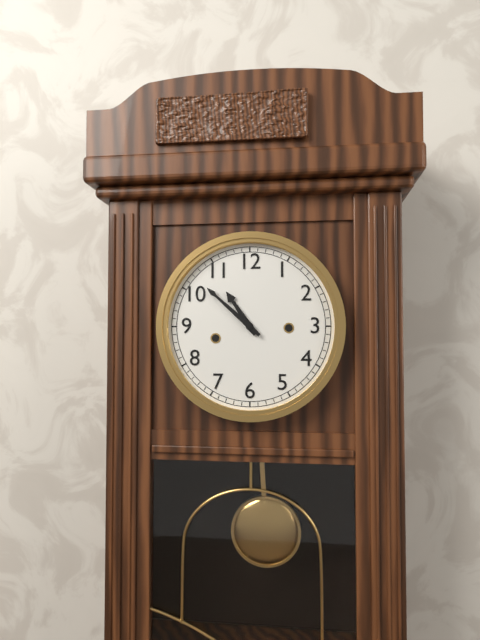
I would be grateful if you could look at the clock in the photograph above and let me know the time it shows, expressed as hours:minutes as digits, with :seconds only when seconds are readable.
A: 10:52
